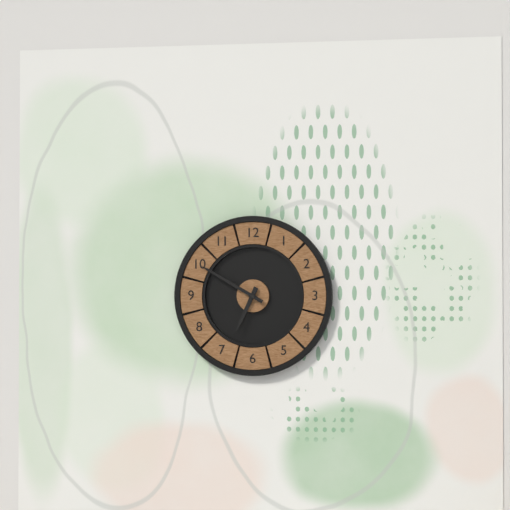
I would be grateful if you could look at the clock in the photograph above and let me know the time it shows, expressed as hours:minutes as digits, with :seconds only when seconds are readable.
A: 6:50
